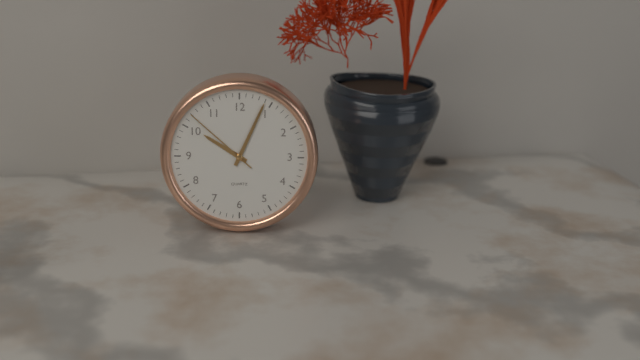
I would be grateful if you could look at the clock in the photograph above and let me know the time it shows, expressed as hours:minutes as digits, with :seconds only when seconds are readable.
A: 10:04:52
